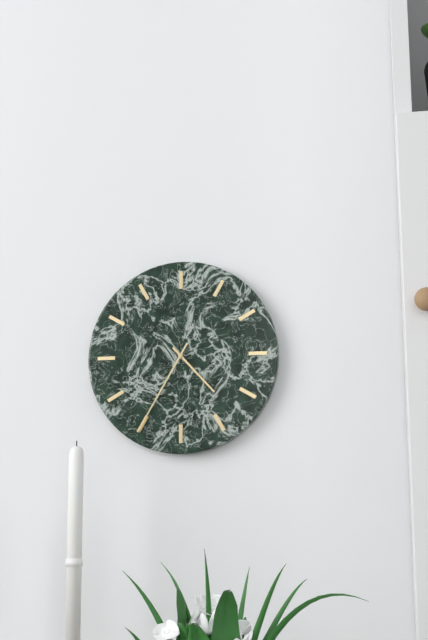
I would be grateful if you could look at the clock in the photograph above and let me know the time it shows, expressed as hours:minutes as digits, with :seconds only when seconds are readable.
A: 4:35
